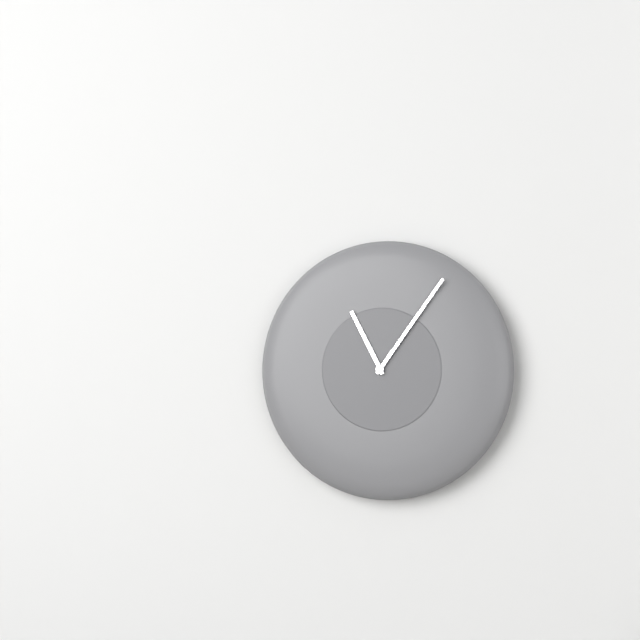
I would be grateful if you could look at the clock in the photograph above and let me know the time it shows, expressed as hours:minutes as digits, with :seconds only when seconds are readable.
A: 11:06
